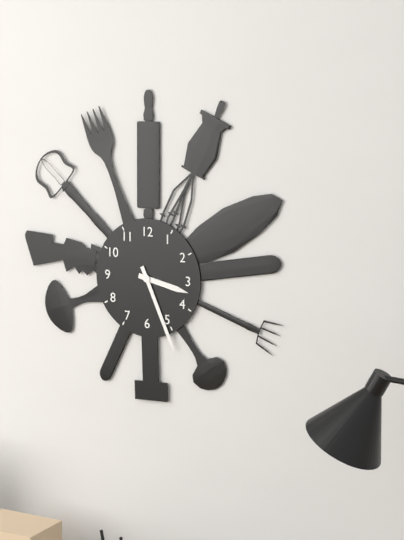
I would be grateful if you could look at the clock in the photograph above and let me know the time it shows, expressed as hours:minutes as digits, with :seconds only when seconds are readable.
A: 3:26
